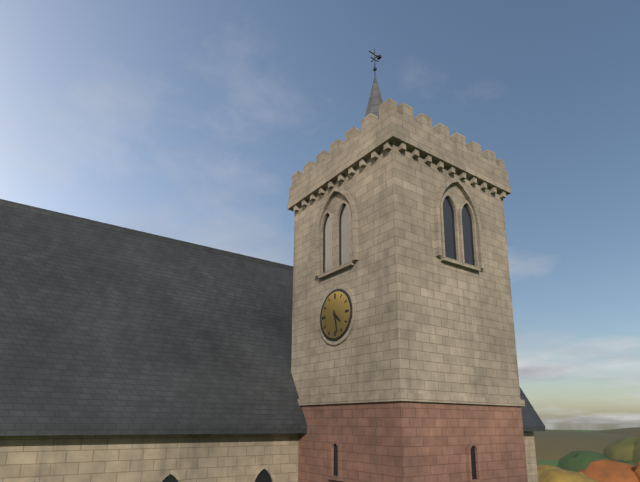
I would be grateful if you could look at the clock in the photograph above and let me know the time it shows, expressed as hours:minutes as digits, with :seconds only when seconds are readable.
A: 4:28
